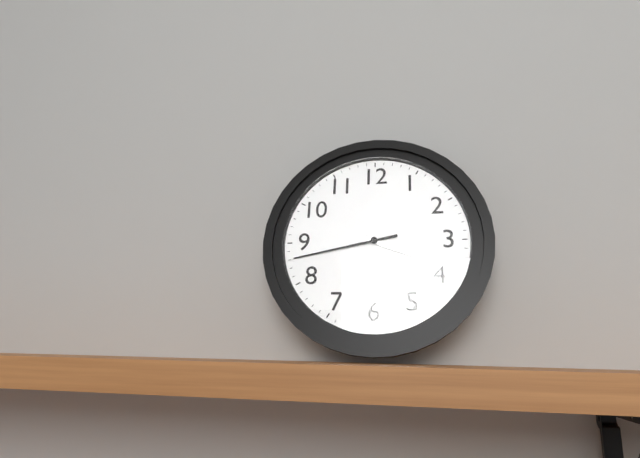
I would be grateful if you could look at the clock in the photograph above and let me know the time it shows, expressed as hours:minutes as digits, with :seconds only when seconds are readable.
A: 3:43
